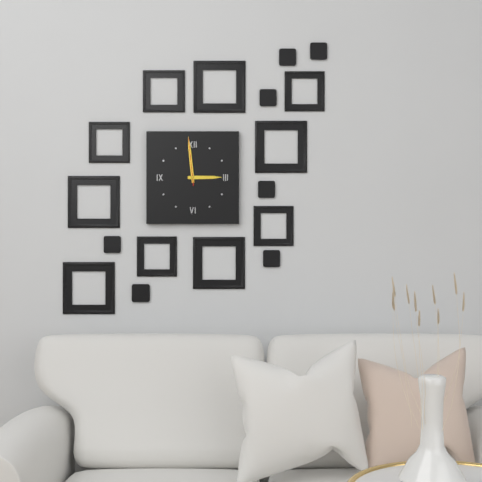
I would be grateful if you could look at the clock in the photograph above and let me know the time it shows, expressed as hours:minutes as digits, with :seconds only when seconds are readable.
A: 2:59
